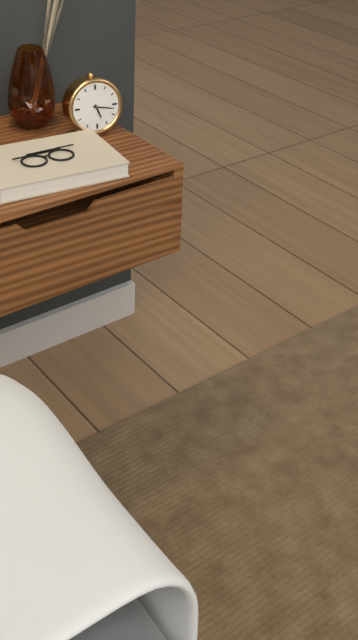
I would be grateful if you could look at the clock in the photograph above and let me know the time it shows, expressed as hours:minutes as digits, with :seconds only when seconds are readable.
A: 5:17
